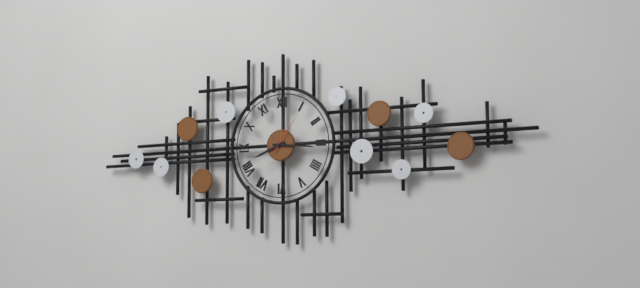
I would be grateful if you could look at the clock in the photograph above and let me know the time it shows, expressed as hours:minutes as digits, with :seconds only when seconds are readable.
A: 8:16
